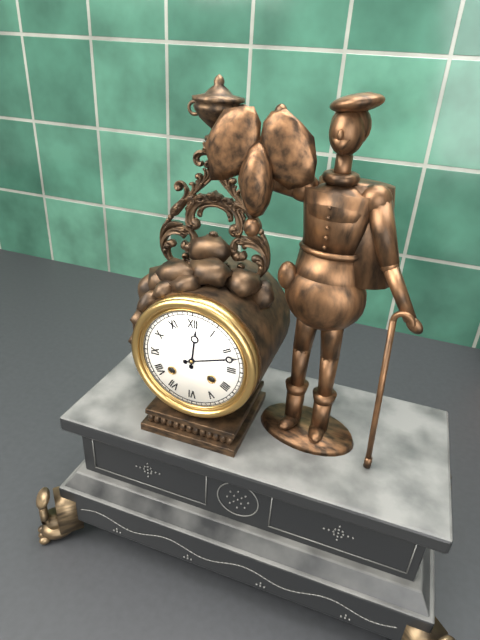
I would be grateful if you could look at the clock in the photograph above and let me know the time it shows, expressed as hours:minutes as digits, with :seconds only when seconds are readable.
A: 12:12
